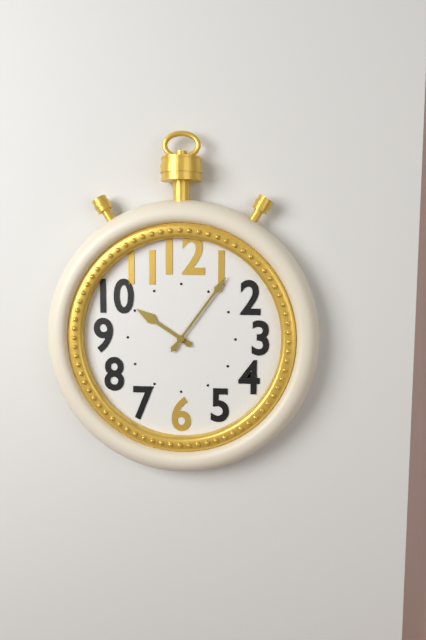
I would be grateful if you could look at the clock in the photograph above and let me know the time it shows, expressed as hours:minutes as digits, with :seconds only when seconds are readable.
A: 10:06
